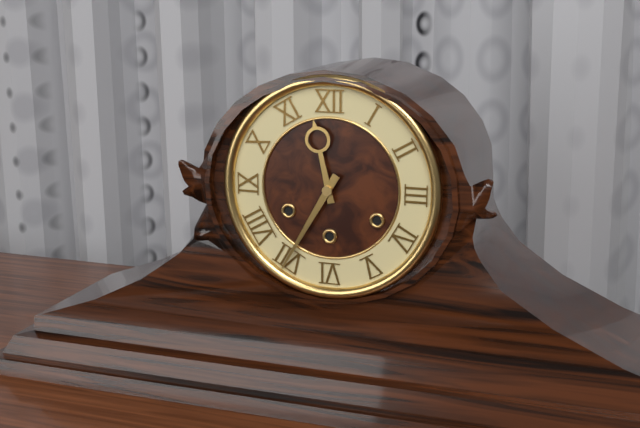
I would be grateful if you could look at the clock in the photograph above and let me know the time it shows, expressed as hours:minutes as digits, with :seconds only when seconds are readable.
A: 11:35
